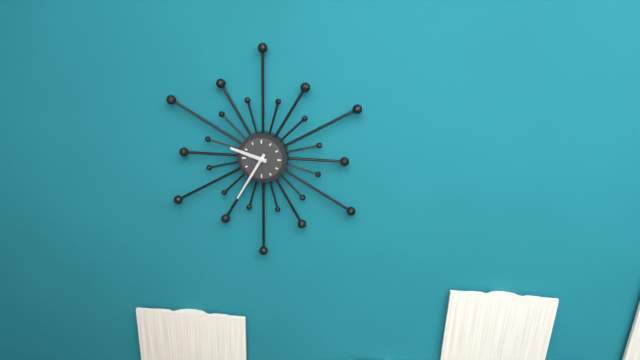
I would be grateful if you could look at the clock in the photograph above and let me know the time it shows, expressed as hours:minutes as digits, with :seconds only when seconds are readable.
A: 9:35
